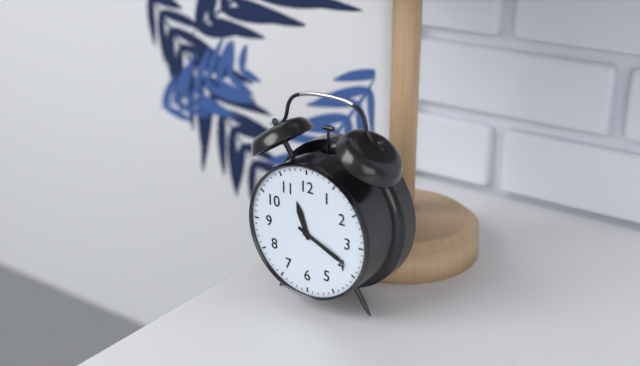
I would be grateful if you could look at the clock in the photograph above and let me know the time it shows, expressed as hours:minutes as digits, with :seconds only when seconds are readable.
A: 11:19
